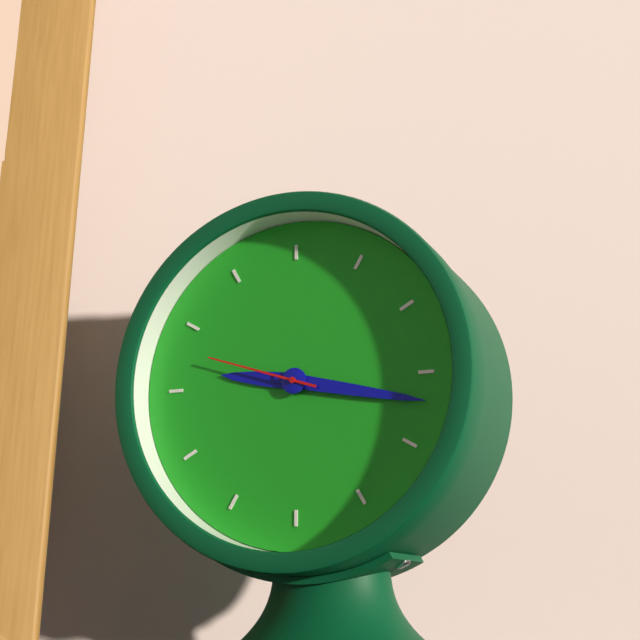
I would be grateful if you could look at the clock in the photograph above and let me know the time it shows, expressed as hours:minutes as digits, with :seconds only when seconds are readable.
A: 9:17:48
